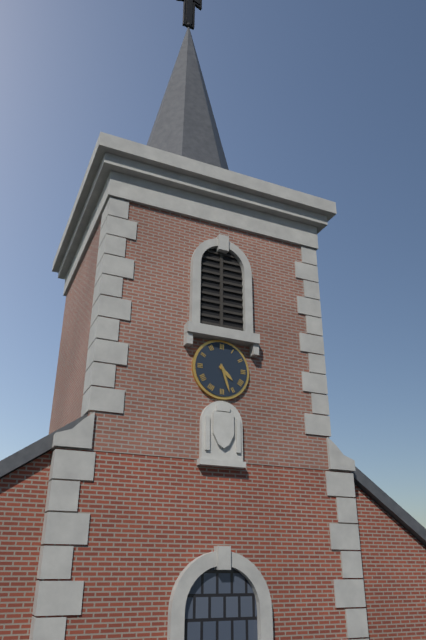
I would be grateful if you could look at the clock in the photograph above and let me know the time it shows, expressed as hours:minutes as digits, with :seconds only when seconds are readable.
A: 4:27
